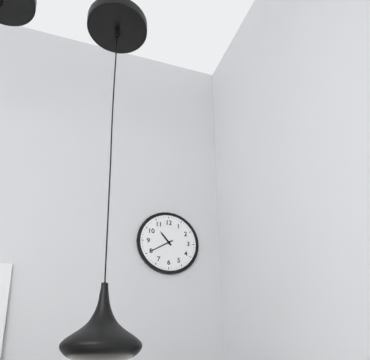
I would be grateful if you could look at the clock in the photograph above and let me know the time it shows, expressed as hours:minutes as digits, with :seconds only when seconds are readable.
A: 10:40
